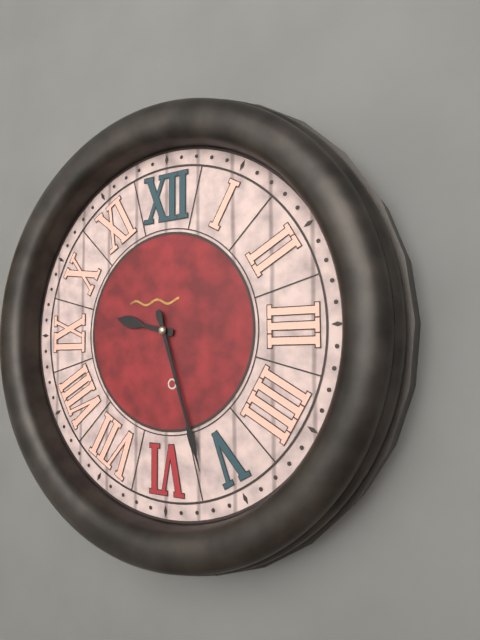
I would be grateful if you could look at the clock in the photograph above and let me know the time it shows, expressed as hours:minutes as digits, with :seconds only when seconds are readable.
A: 9:27
